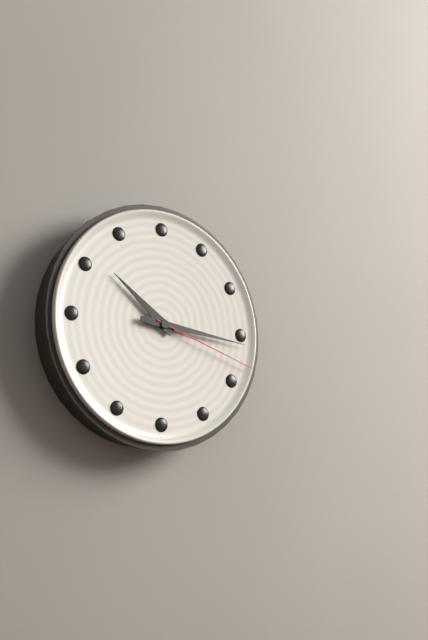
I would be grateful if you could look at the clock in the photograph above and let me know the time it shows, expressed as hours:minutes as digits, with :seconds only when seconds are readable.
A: 10:16:18
